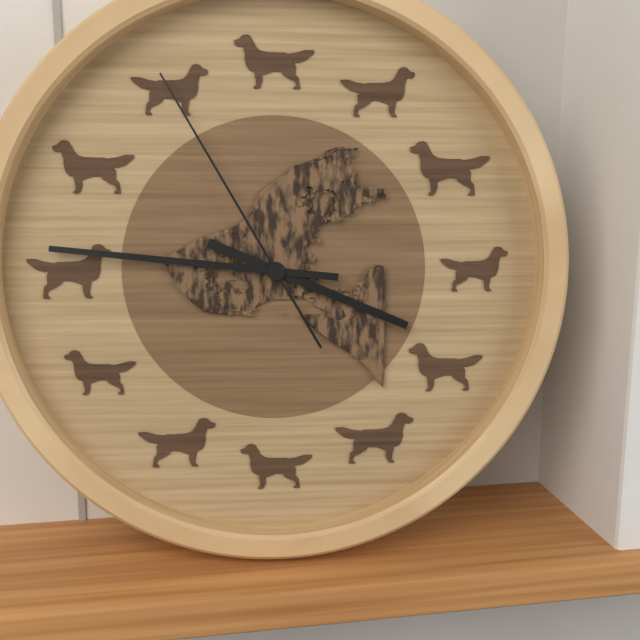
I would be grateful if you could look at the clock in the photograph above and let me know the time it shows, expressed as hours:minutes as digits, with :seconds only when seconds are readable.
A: 3:46:55
